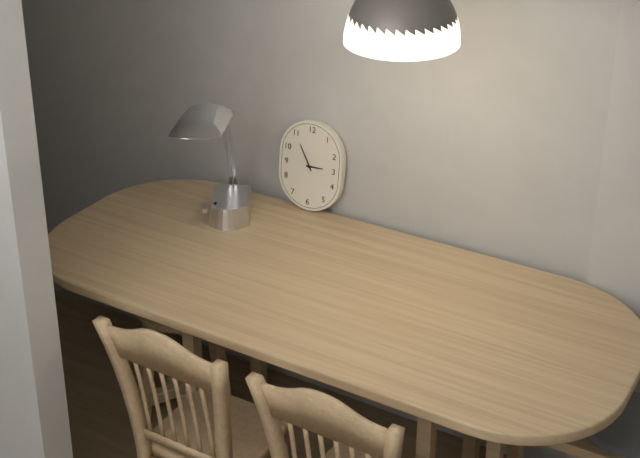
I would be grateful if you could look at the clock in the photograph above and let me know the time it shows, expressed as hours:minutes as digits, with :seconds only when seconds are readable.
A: 2:55
